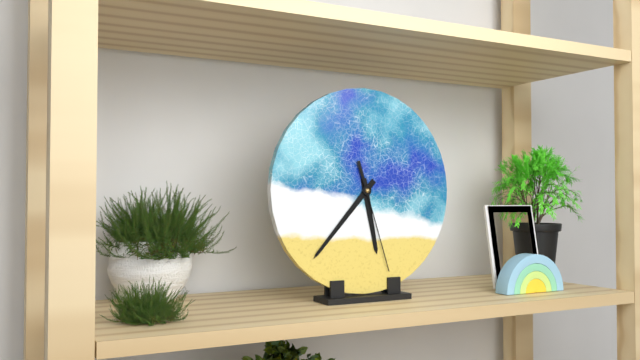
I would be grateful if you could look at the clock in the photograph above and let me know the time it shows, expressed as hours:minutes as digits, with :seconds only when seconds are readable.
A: 5:37:27
